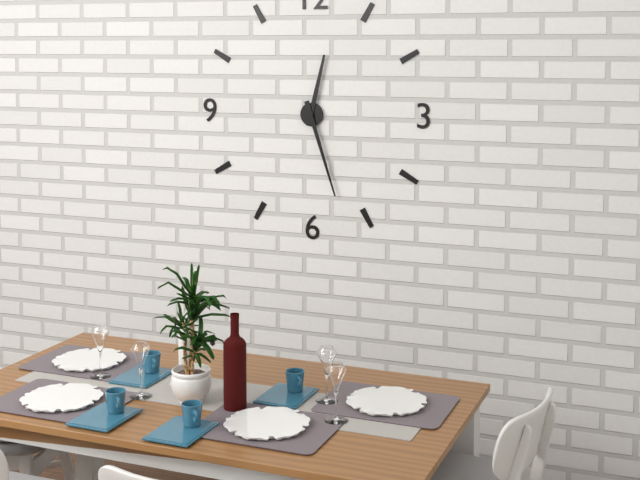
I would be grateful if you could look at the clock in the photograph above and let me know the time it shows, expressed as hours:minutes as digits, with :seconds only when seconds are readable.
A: 12:27
